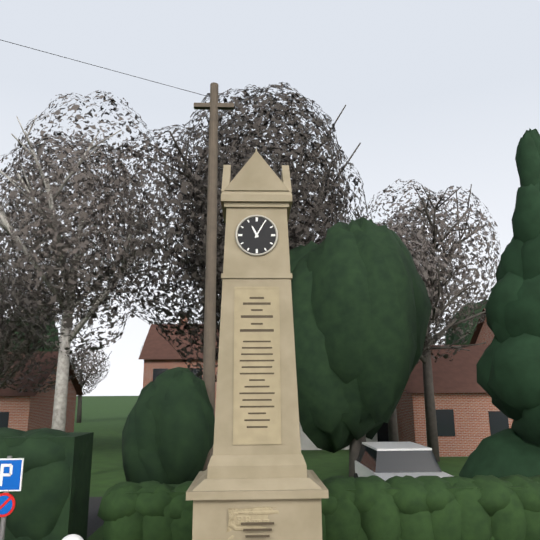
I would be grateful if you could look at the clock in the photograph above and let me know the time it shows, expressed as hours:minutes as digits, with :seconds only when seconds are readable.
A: 11:05
